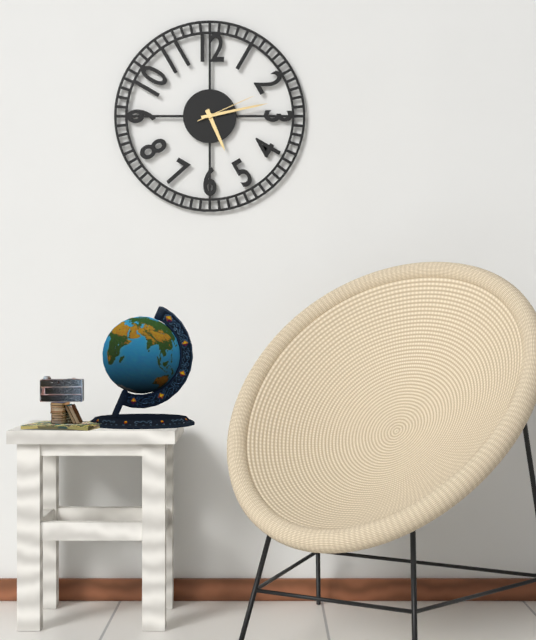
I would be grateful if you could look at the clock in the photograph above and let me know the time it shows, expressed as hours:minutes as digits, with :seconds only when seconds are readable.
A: 5:13:11
